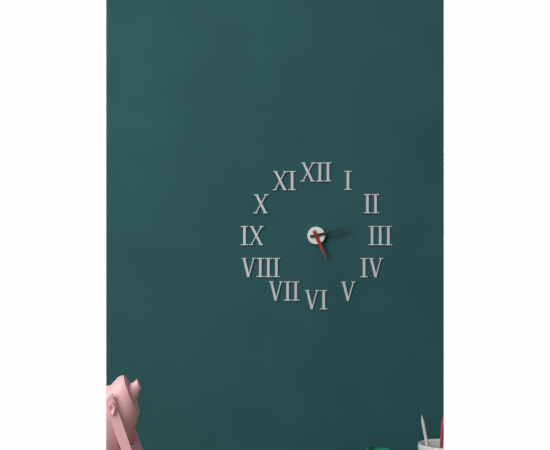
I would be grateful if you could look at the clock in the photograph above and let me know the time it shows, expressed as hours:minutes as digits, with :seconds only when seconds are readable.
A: 5:13
